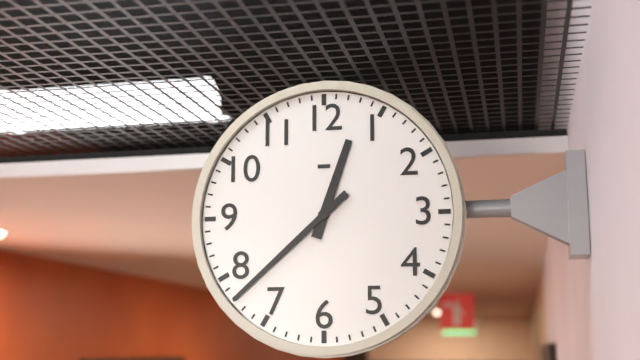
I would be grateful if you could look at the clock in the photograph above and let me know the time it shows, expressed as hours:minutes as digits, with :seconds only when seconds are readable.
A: 12:38
